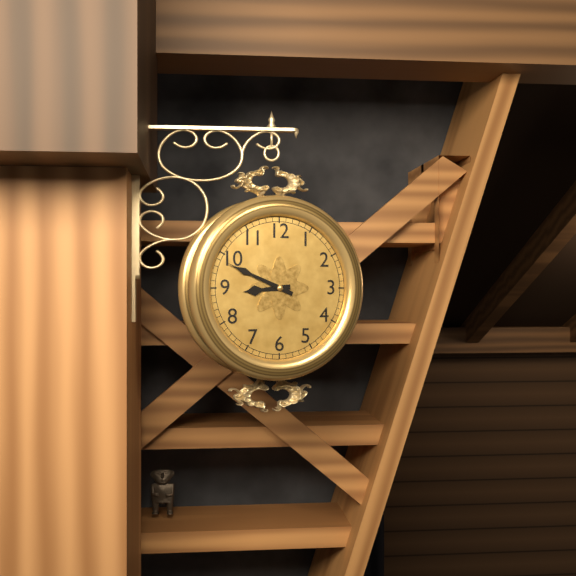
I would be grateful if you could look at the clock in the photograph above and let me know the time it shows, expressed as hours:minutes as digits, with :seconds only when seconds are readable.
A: 8:49
